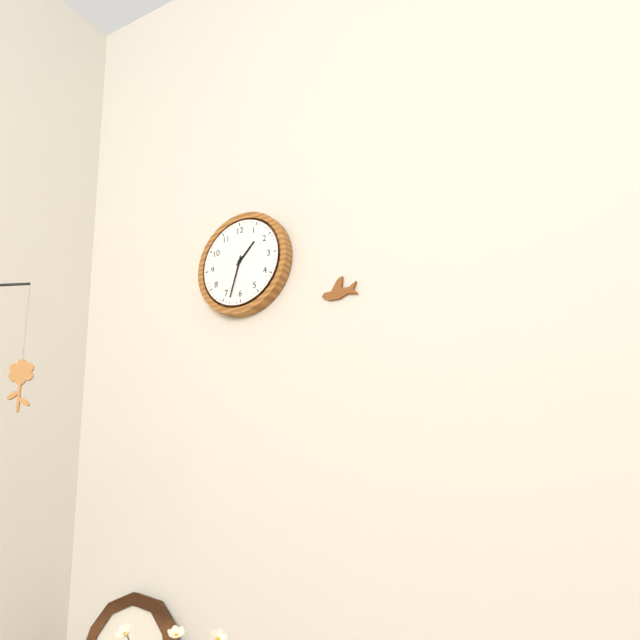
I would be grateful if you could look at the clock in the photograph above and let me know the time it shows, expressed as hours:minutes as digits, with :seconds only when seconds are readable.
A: 1:33
